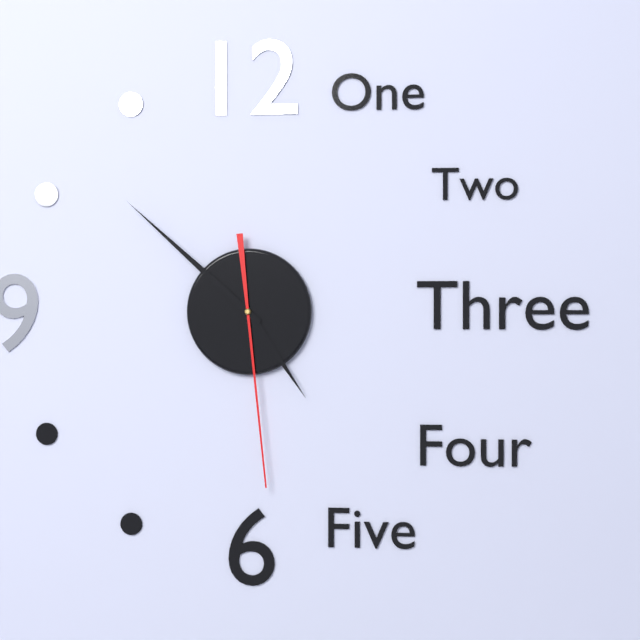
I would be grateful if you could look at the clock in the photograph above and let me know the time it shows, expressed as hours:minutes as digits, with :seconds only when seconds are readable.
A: 4:52:29
